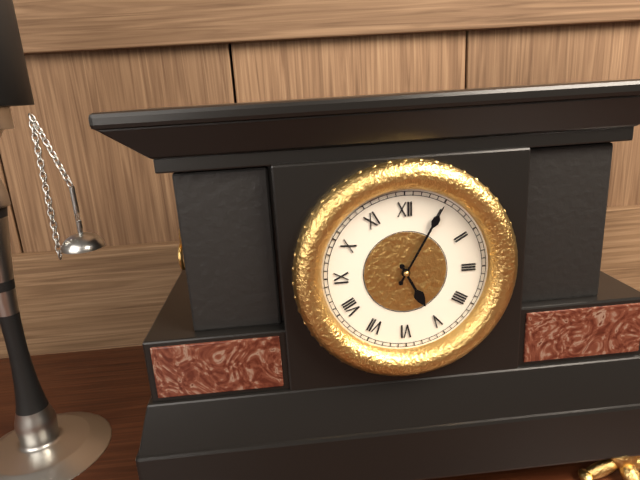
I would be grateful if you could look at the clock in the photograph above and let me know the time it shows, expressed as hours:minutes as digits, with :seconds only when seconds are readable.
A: 5:05
